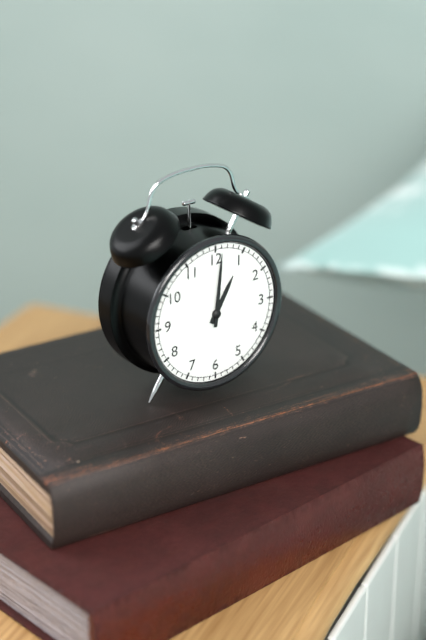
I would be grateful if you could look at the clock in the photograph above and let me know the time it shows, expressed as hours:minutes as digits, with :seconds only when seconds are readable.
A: 1:01
